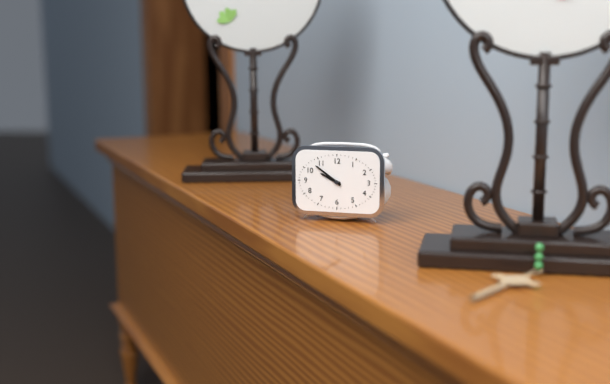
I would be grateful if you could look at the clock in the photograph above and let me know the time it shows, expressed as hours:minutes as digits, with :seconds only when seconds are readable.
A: 9:51
